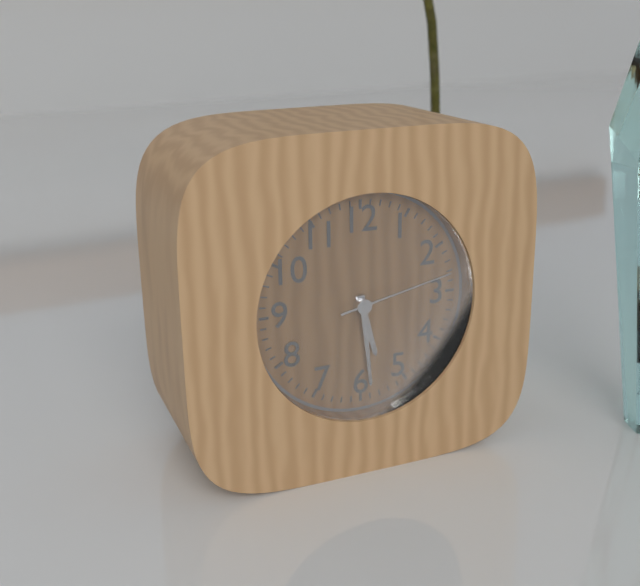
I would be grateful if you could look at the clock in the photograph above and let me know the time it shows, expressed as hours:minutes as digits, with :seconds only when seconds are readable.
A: 5:29:13
